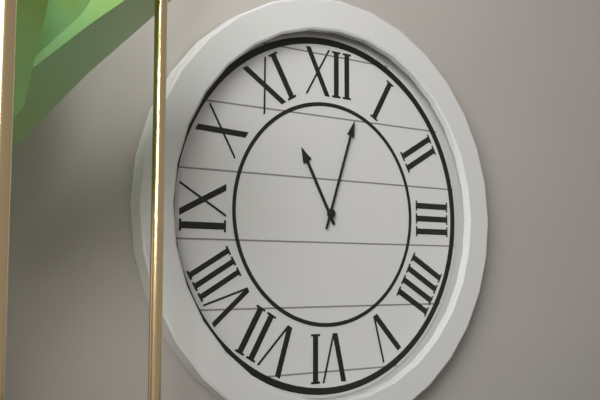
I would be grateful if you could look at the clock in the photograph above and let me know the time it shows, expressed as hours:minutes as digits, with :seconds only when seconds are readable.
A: 11:03
